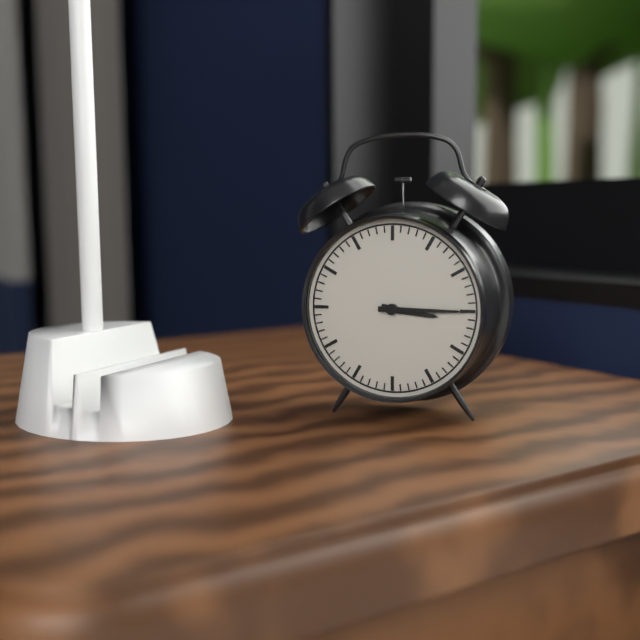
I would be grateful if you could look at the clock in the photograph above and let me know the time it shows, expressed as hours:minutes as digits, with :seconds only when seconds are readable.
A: 3:15
